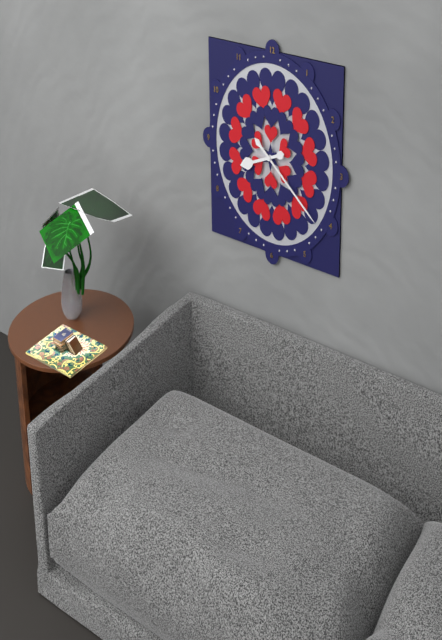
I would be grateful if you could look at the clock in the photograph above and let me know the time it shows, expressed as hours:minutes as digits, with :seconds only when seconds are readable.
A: 8:21
